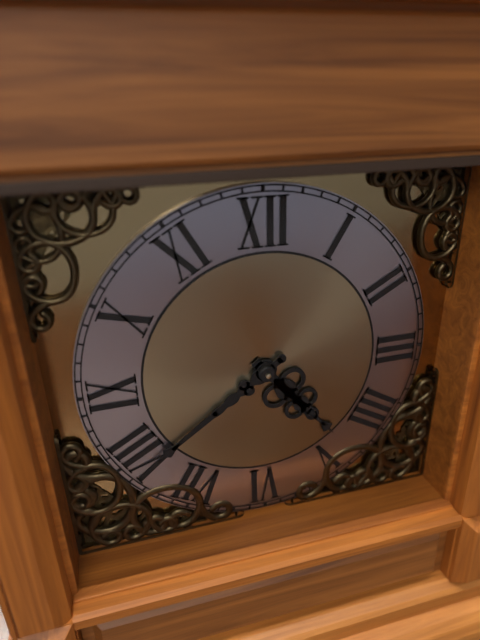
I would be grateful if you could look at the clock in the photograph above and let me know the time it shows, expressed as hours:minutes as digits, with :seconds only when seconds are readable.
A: 4:39
